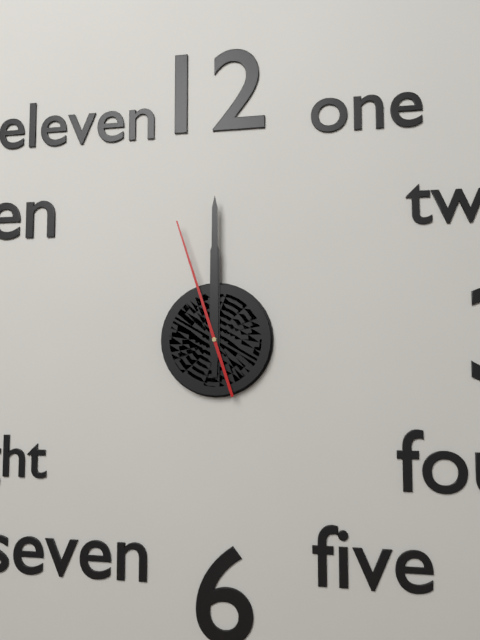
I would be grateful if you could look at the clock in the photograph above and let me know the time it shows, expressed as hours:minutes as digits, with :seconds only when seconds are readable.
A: 12:00:57
